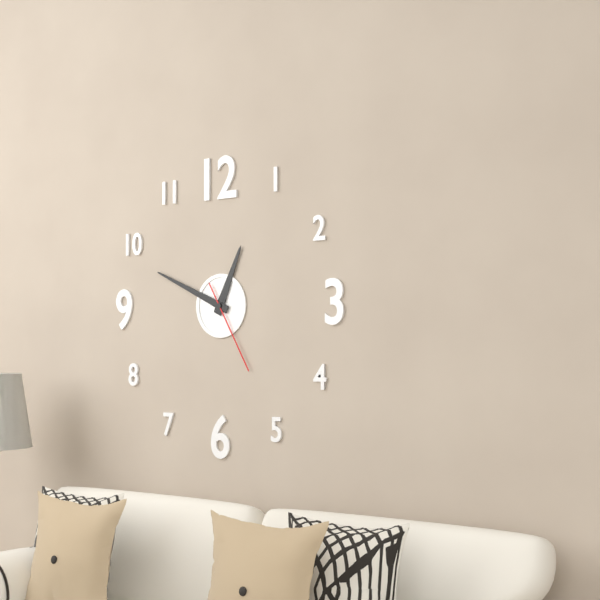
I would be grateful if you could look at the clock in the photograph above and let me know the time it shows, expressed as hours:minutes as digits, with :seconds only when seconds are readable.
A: 12:49:25
